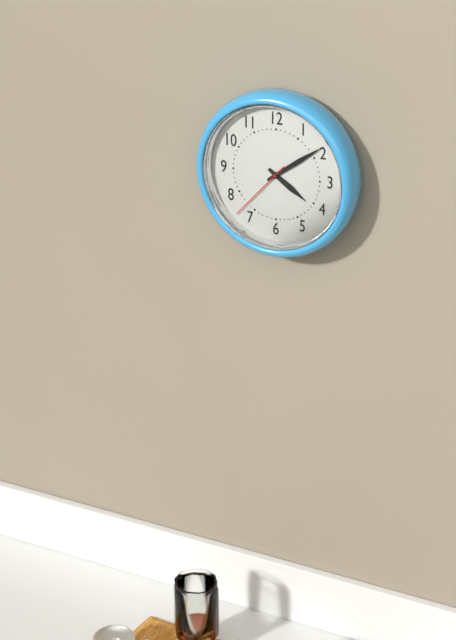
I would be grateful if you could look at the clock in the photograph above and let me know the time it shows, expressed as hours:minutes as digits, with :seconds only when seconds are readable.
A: 4:09:37
